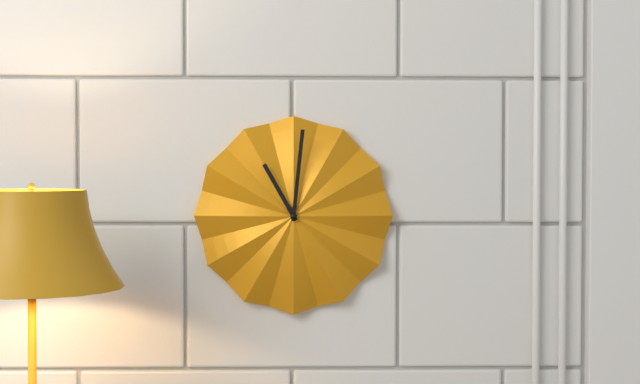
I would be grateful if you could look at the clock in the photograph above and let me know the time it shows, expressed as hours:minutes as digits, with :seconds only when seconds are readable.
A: 11:01
